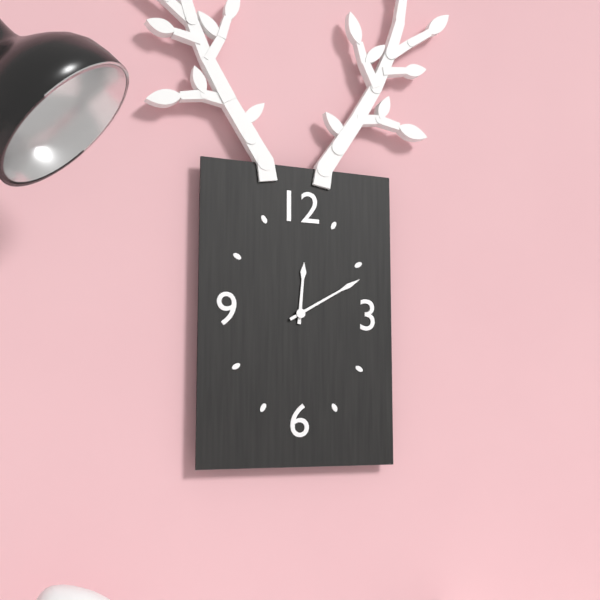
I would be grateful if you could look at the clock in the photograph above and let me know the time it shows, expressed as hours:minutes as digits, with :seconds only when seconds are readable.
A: 12:10
